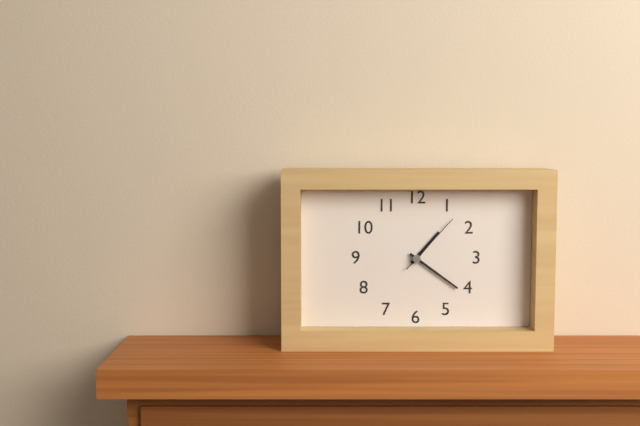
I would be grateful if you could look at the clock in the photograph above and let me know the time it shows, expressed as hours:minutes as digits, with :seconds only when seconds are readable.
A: 1:21:07
